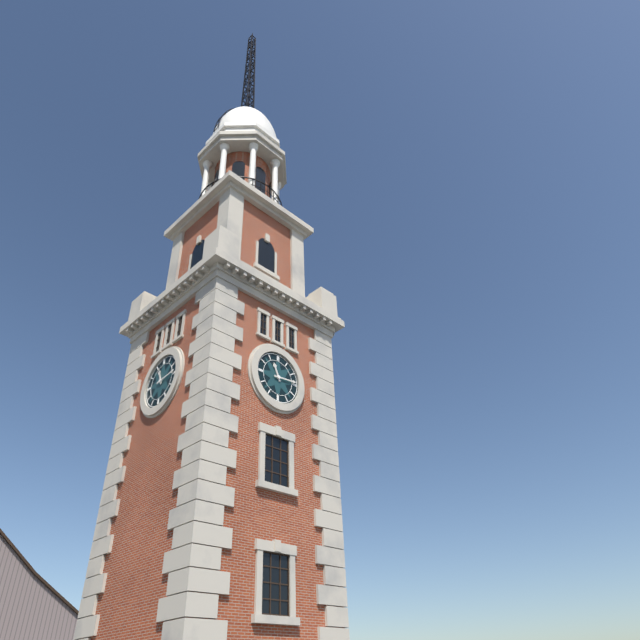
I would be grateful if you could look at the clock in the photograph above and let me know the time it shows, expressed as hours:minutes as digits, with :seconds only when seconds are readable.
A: 11:14
